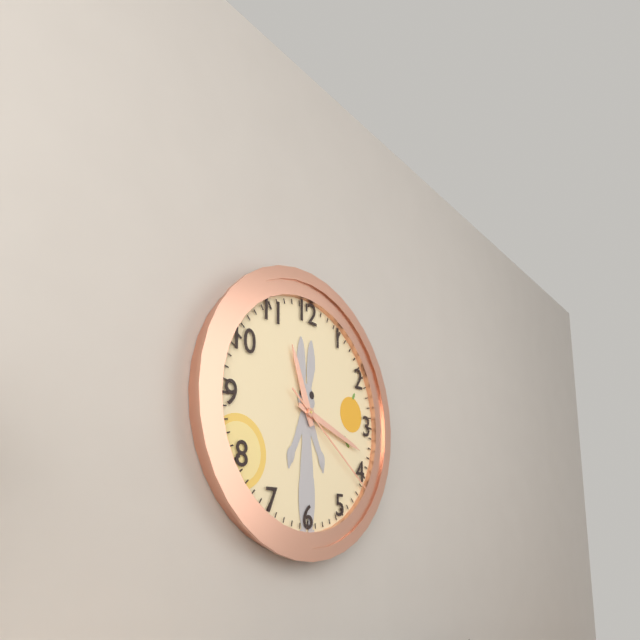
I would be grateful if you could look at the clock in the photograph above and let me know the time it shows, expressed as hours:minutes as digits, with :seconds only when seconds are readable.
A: 11:18:21
